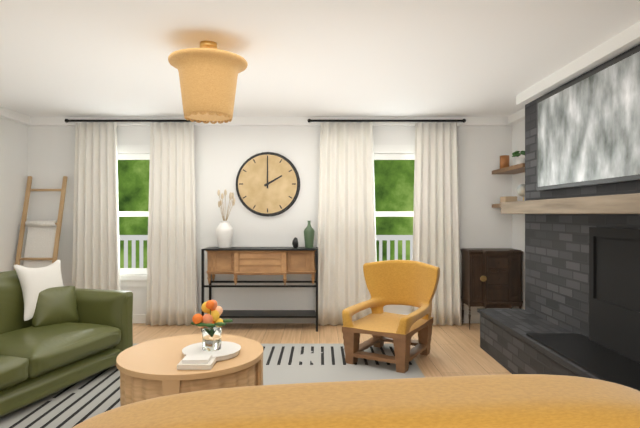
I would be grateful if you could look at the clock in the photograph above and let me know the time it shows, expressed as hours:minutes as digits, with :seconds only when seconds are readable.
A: 2:00
